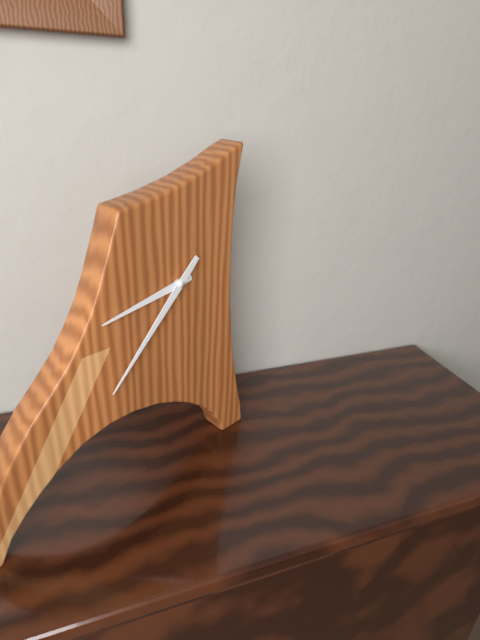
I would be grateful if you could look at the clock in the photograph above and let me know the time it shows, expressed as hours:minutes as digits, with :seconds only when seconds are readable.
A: 8:37
